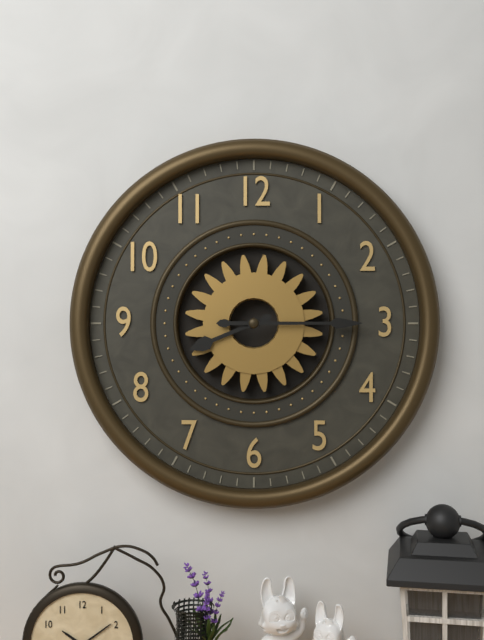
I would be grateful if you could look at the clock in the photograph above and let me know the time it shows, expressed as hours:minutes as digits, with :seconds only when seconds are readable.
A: 8:15
